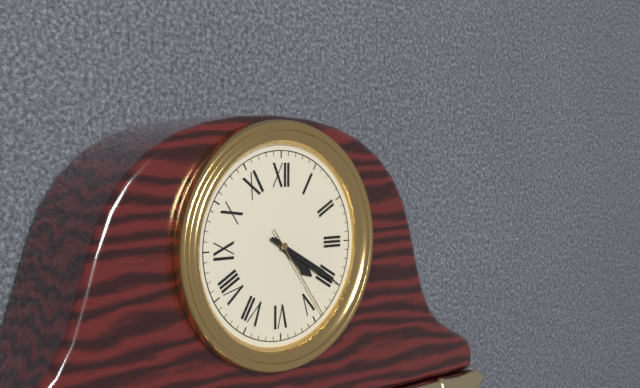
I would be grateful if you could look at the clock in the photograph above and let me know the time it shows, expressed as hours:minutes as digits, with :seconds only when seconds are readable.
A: 4:20:24
